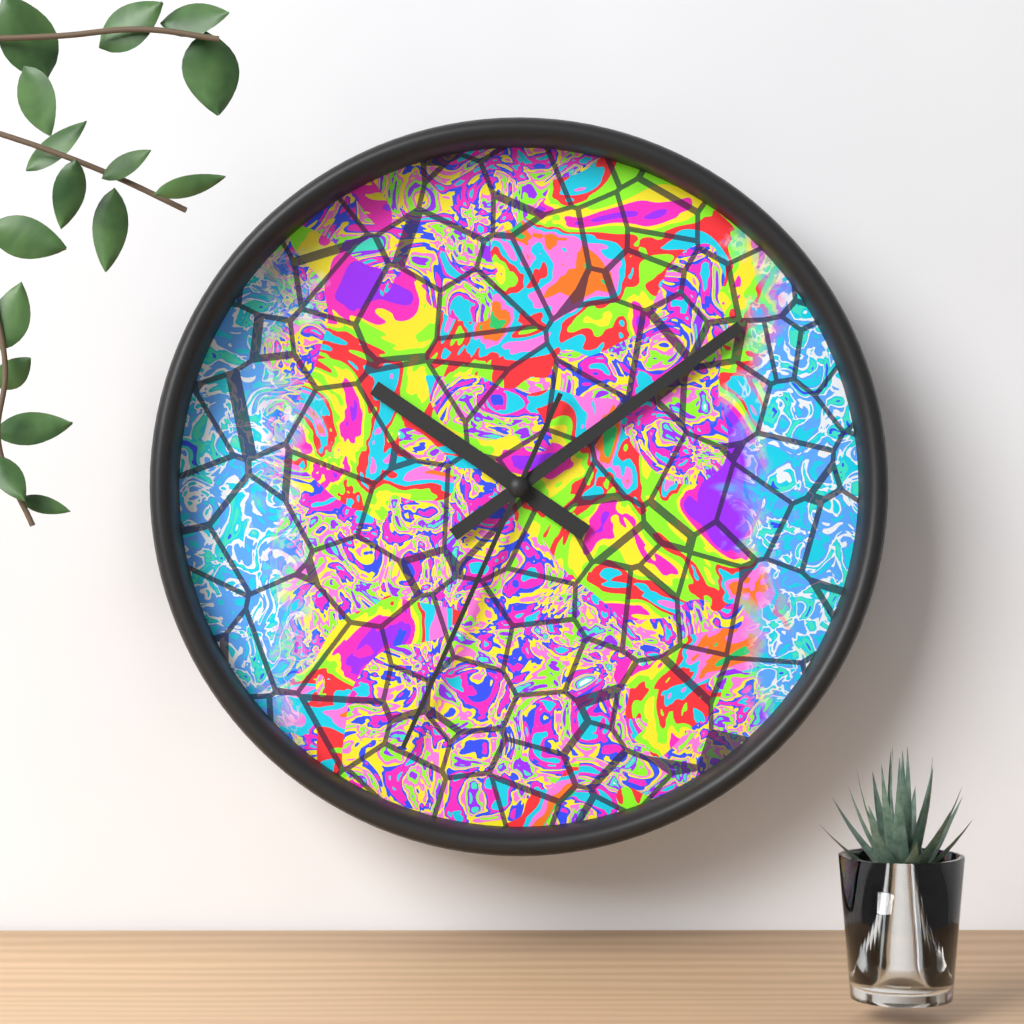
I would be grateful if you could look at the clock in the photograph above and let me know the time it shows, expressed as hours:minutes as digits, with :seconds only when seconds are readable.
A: 10:09:34
